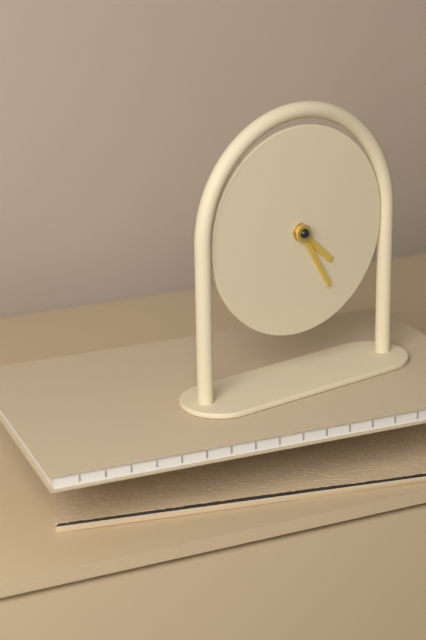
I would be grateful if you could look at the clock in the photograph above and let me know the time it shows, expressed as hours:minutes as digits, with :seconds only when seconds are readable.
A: 4:25
